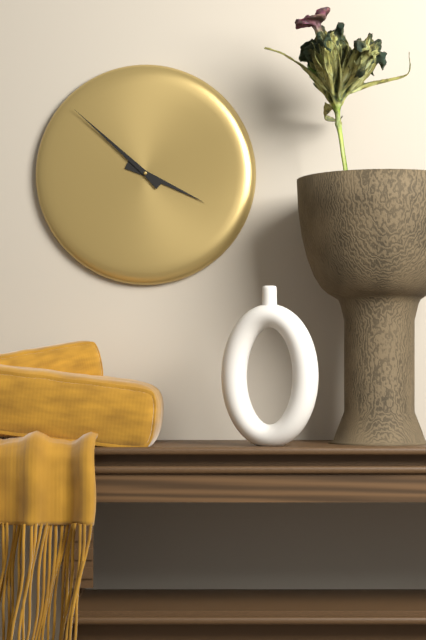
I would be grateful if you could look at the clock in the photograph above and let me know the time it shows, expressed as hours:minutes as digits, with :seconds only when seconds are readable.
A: 3:52
